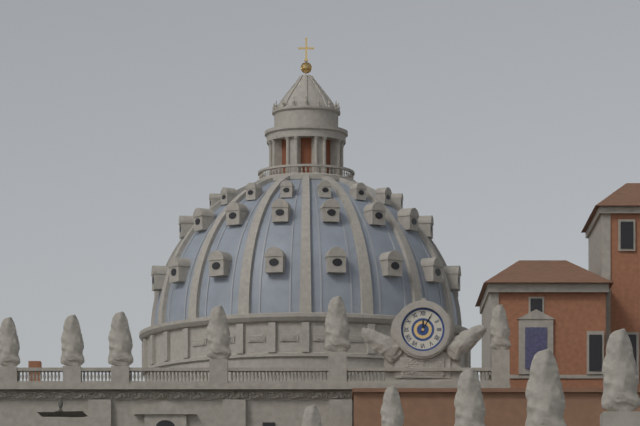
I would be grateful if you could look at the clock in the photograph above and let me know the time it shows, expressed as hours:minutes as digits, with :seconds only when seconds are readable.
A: 12:05
